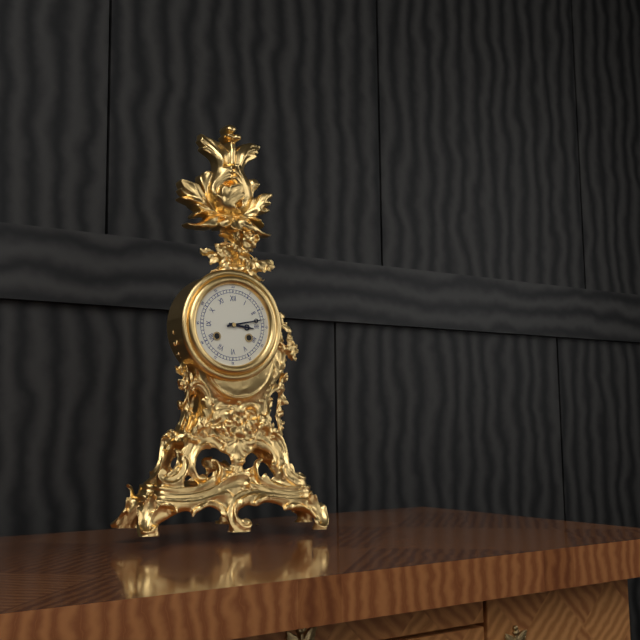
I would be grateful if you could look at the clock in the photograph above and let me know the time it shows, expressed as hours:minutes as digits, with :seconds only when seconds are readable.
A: 3:13
